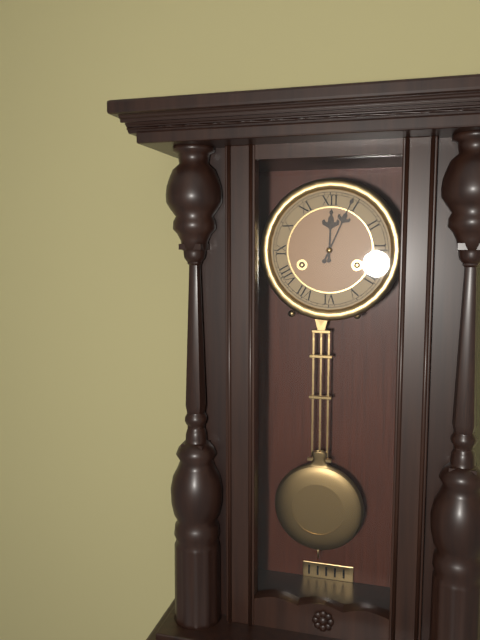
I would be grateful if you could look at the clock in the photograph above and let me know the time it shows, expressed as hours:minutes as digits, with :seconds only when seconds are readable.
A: 12:04
